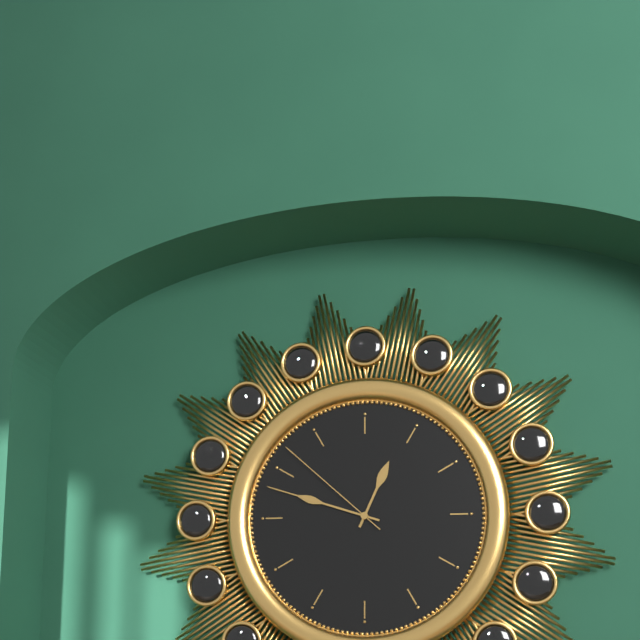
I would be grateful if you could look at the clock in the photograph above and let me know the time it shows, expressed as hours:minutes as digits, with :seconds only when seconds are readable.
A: 12:48:52
